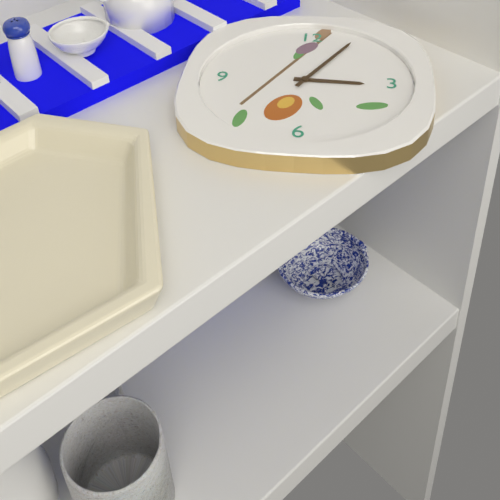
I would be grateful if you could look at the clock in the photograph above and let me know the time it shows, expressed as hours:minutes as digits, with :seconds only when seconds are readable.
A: 3:05
